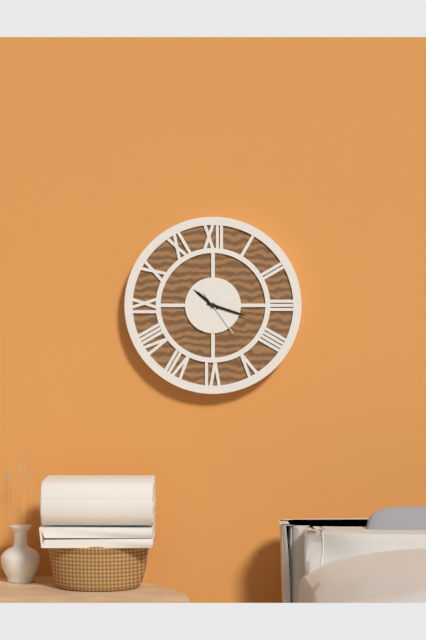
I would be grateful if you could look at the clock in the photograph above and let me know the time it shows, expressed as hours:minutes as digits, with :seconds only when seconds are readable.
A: 10:18
